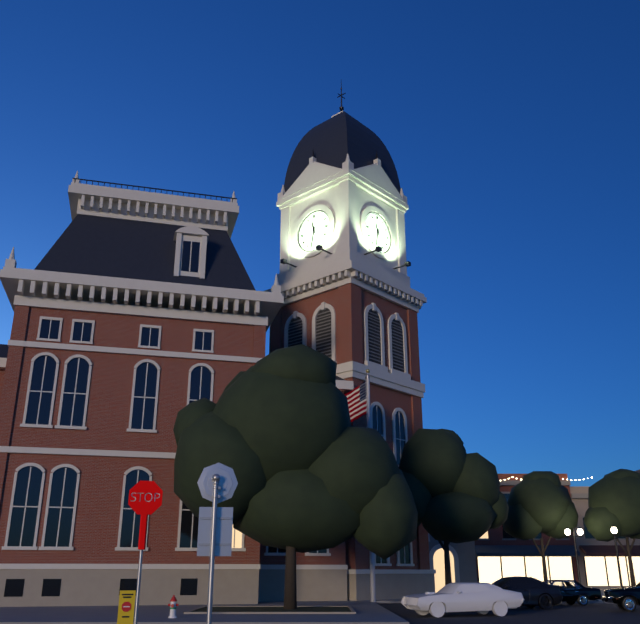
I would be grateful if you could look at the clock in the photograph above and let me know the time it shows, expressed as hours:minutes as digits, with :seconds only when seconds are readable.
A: 11:32
